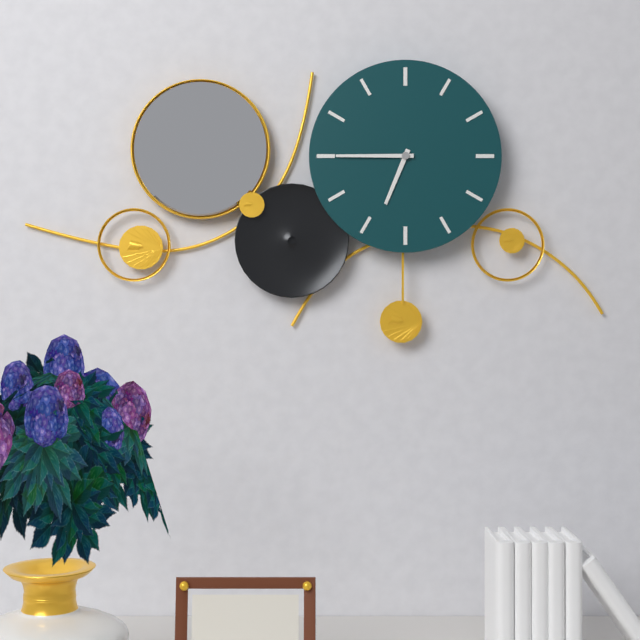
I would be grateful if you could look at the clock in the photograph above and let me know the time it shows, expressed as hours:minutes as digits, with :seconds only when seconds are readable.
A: 6:45
